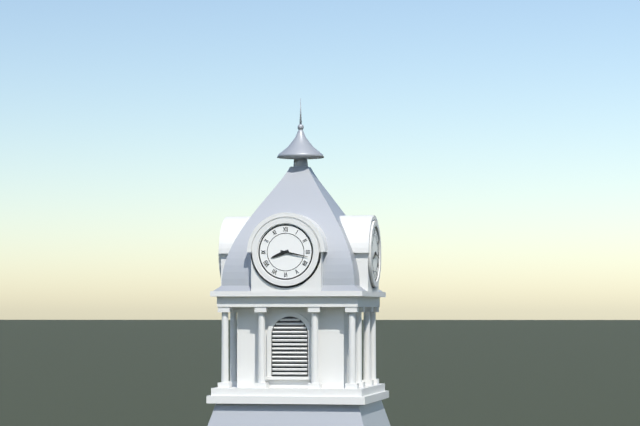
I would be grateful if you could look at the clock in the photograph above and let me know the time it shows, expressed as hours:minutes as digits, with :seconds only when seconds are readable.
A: 8:17
